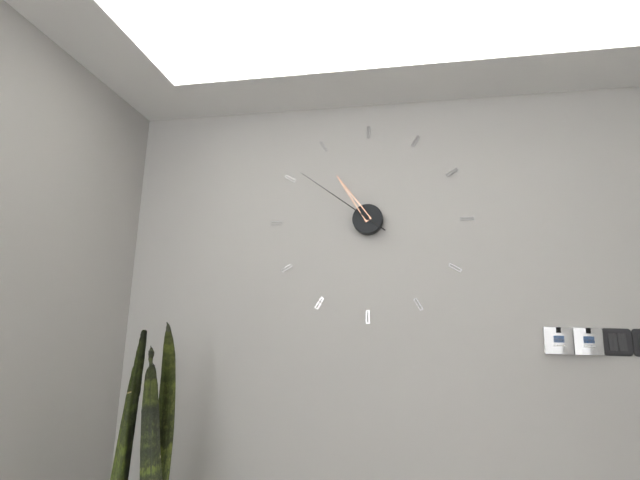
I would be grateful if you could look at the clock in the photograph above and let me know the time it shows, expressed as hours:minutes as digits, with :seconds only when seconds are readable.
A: 10:51
